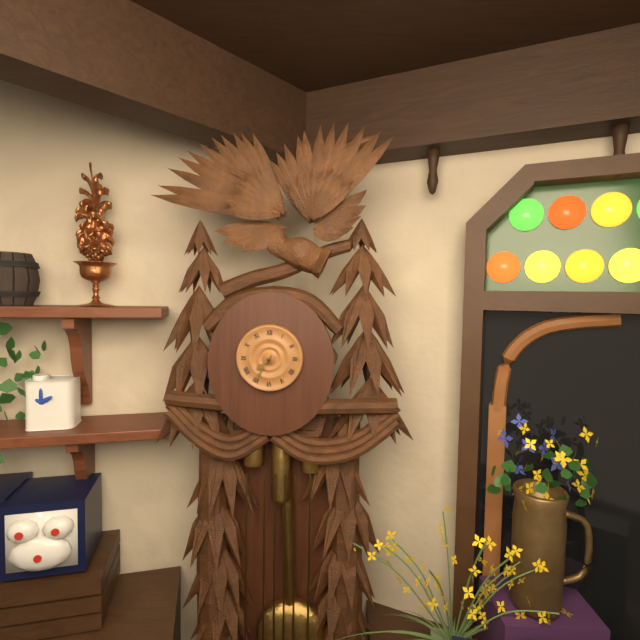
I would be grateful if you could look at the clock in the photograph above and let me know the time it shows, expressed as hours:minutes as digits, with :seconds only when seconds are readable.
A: 7:35
